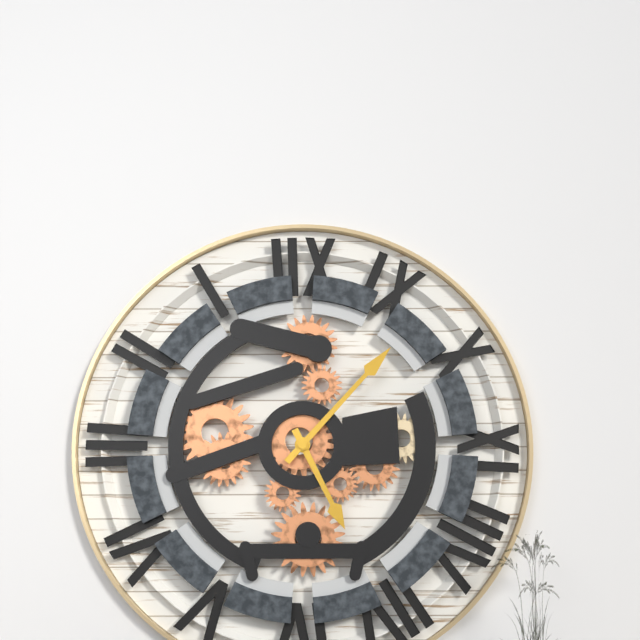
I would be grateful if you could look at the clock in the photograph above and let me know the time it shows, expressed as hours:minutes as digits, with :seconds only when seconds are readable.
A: 5:07
